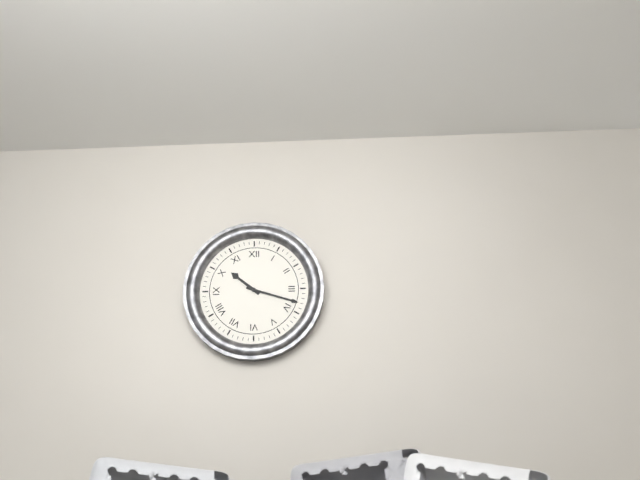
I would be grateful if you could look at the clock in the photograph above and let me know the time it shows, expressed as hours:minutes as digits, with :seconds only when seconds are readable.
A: 10:18
